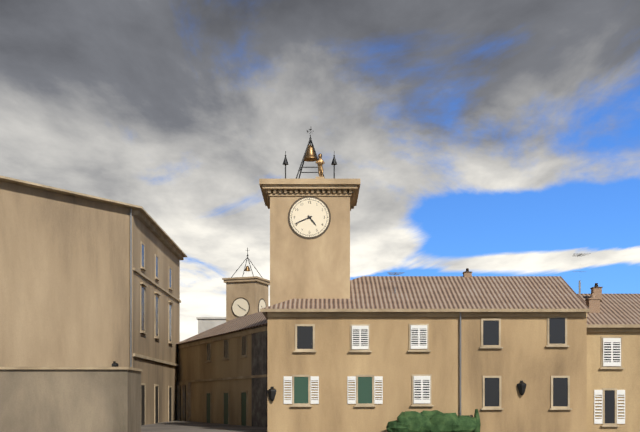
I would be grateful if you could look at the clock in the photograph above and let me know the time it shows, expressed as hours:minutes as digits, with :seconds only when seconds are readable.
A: 4:41
